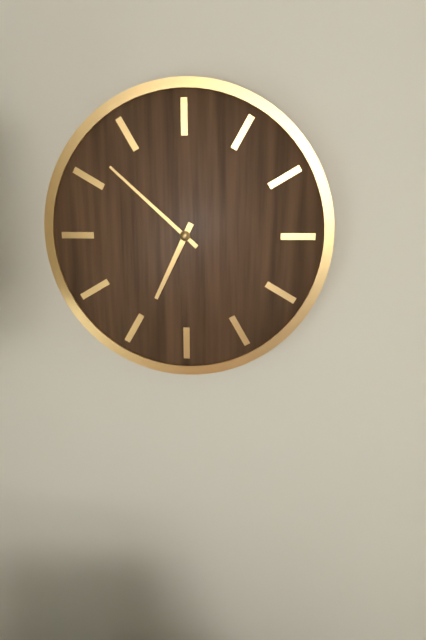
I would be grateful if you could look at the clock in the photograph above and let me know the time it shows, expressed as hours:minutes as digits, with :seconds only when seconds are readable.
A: 6:52
